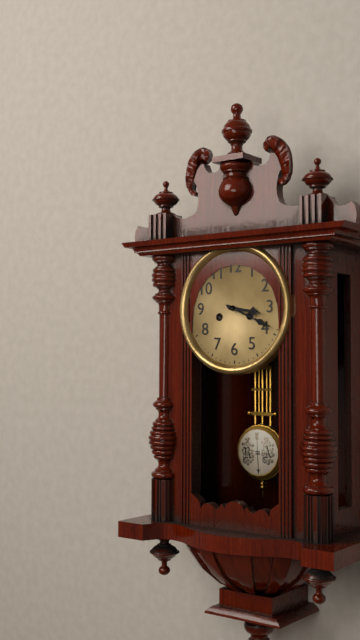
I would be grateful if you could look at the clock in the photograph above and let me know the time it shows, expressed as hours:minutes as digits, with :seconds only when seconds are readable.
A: 3:19
